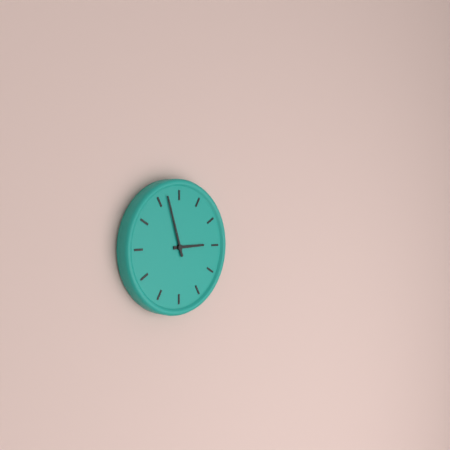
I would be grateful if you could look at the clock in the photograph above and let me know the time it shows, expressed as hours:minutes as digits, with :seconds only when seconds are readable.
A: 2:57
